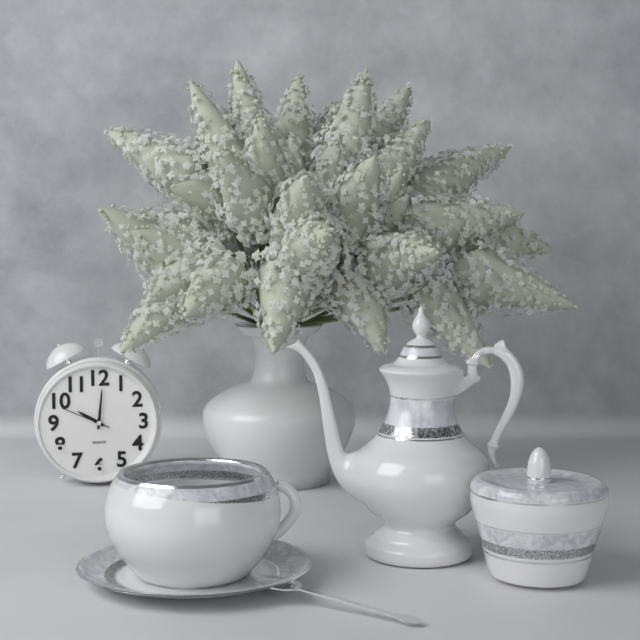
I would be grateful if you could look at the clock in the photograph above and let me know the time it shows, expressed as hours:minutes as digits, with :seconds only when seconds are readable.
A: 10:01:49
